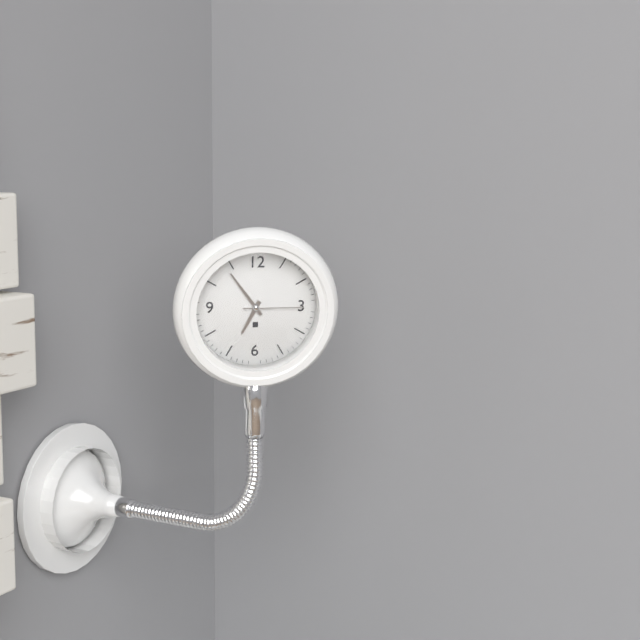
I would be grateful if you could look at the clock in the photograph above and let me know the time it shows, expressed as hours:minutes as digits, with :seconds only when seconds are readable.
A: 6:54:15
